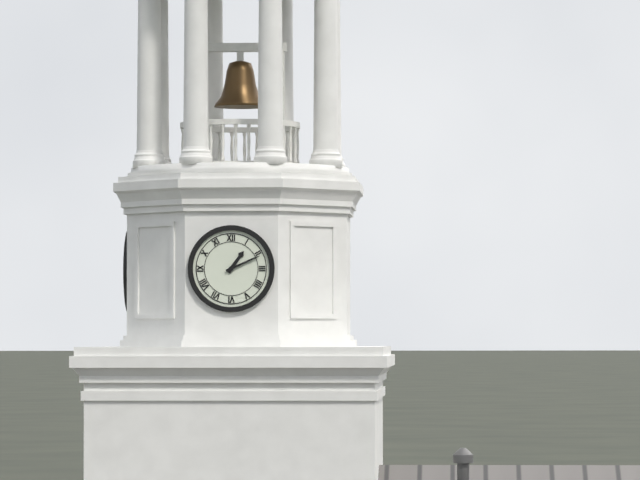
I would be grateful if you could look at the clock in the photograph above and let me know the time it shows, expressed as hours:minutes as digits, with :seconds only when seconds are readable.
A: 1:11
